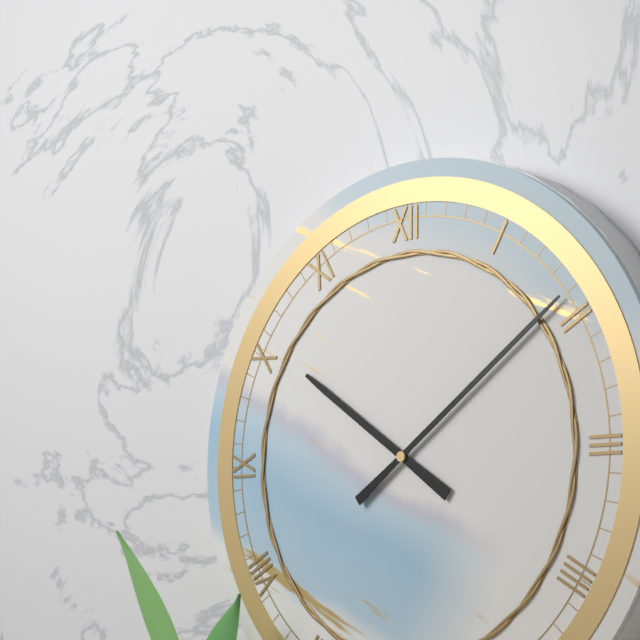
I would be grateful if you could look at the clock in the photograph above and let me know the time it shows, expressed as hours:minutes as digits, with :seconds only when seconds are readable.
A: 10:09
